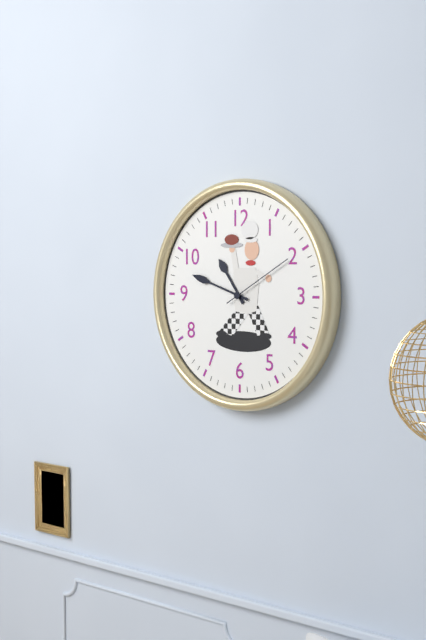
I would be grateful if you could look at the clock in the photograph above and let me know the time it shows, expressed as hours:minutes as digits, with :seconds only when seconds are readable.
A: 10:48:10
